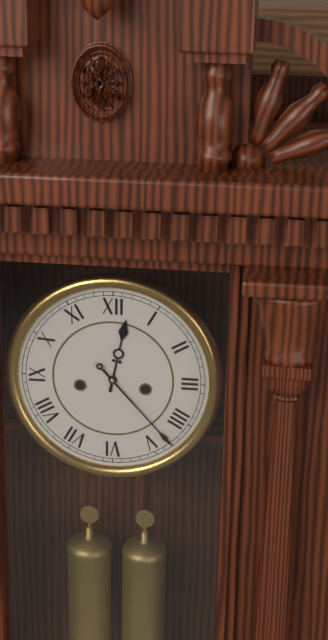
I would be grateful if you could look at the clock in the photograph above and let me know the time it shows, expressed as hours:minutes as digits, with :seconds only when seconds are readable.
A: 12:23
